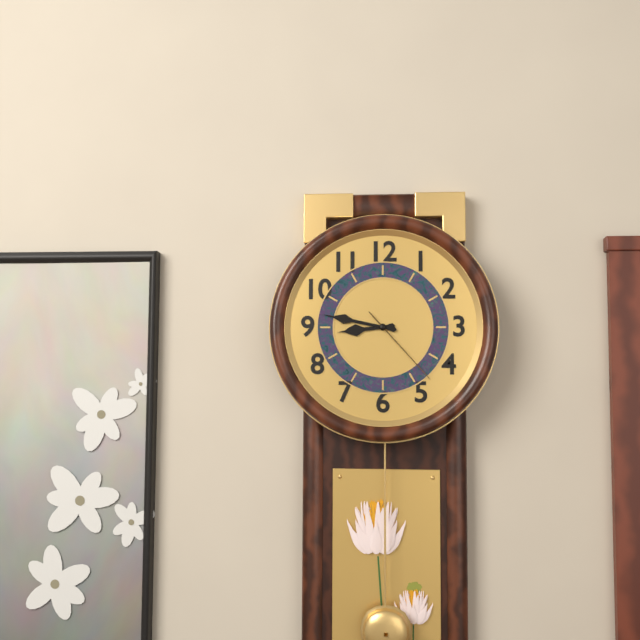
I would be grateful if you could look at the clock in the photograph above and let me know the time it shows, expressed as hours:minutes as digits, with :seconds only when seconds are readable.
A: 8:47:23
